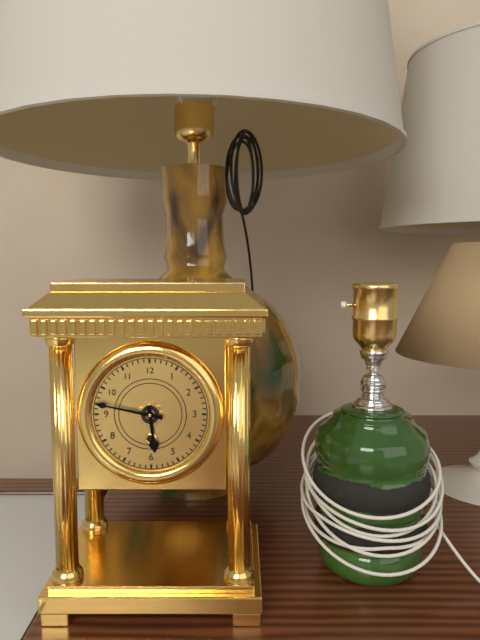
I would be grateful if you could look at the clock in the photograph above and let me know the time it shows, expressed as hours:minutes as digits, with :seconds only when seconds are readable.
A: 5:47
